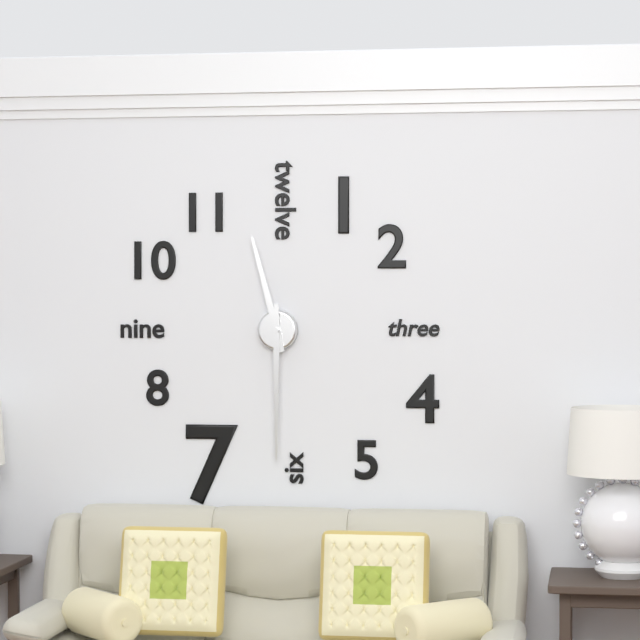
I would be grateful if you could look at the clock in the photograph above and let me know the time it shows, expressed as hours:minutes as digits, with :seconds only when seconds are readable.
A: 11:30
